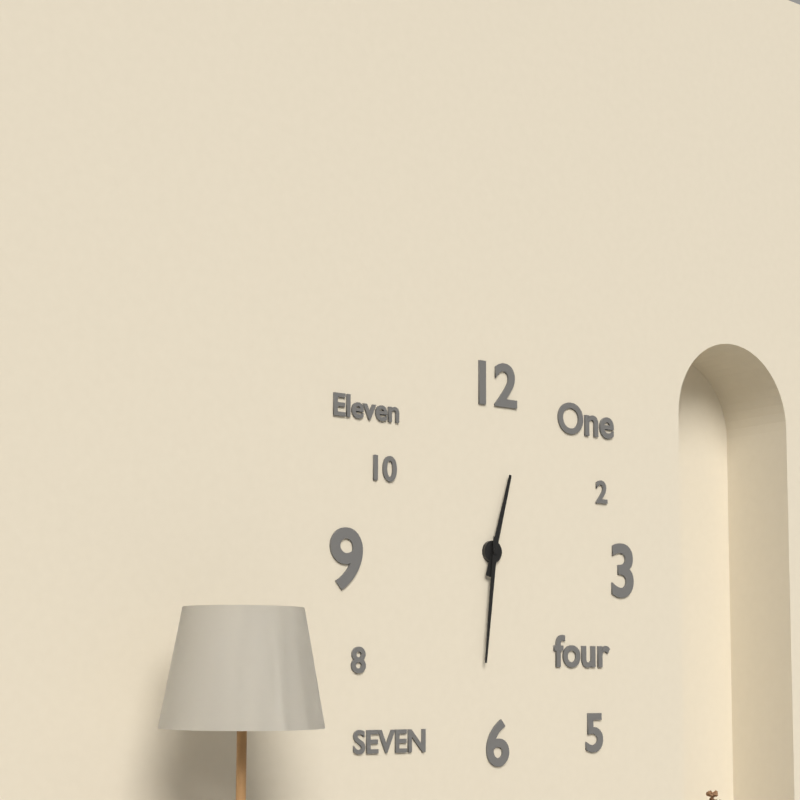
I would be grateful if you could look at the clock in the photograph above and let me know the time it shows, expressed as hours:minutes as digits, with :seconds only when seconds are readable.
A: 12:31
